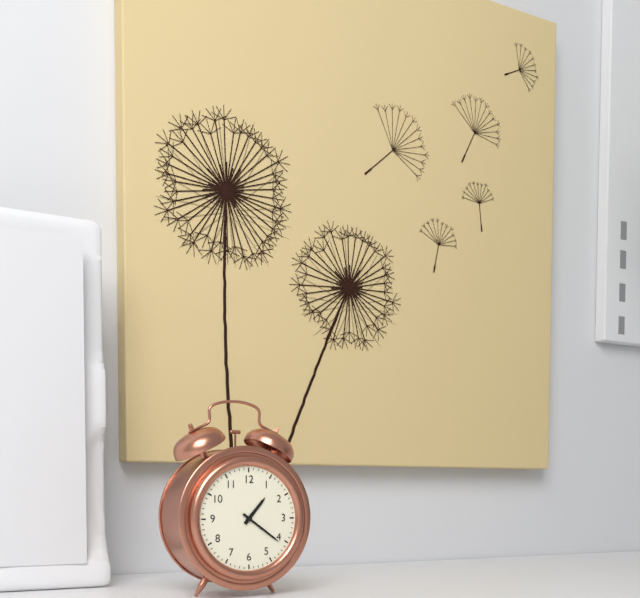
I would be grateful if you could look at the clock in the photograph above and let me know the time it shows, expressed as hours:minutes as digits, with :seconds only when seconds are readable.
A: 1:21
